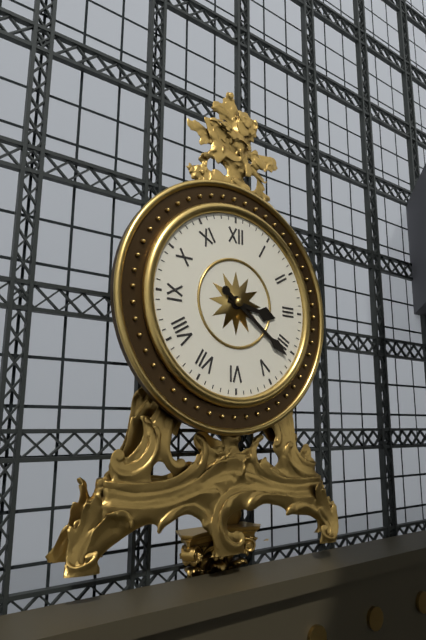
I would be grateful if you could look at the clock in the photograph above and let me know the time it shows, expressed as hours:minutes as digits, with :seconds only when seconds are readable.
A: 3:21
